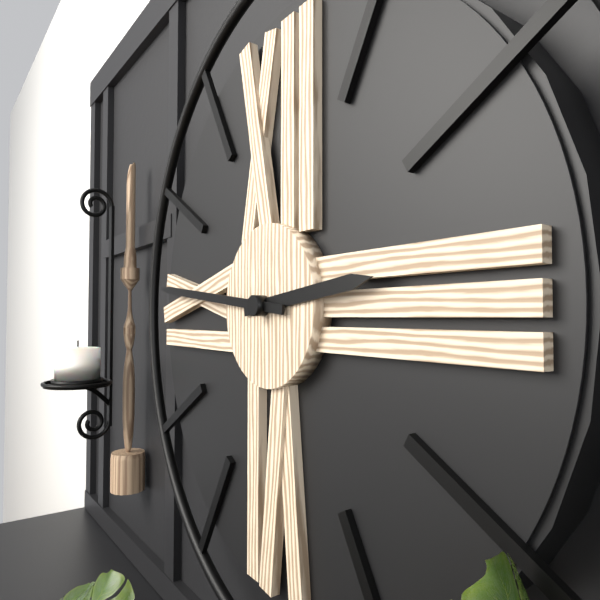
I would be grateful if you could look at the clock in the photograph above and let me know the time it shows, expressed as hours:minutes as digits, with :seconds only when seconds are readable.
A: 2:46
